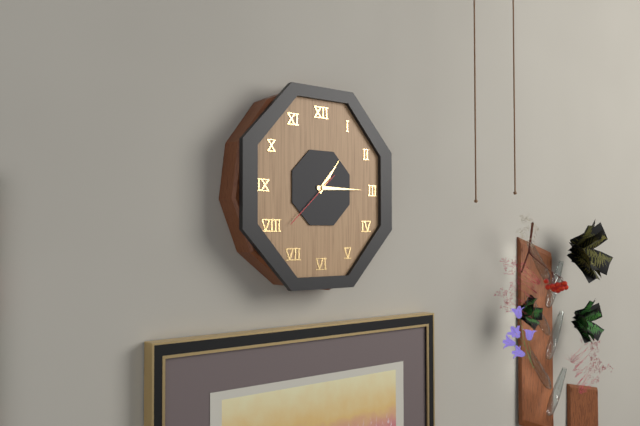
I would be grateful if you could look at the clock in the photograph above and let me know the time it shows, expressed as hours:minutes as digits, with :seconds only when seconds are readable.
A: 1:15
